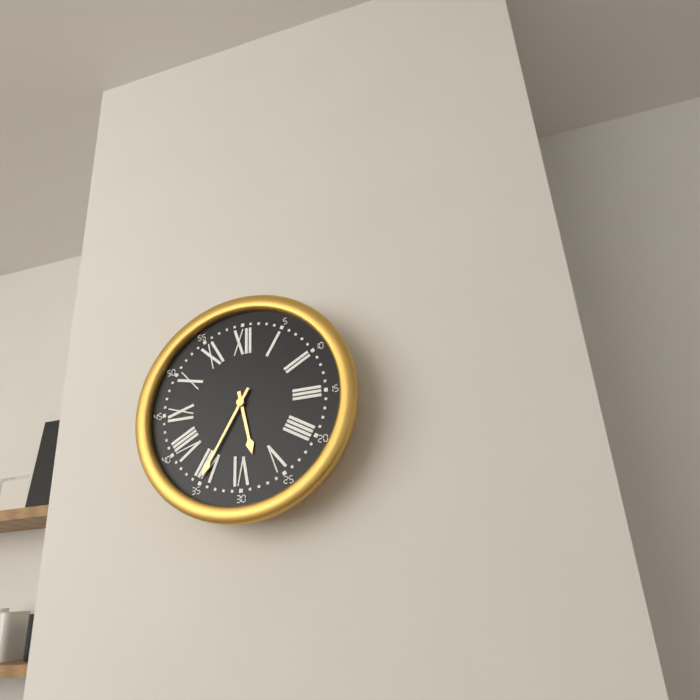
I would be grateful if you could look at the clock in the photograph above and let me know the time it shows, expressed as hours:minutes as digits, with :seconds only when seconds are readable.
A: 5:35
